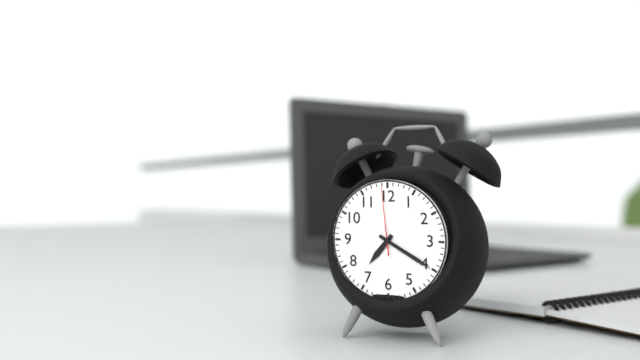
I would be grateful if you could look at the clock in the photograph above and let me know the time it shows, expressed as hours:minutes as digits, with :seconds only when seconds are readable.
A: 7:20:59
